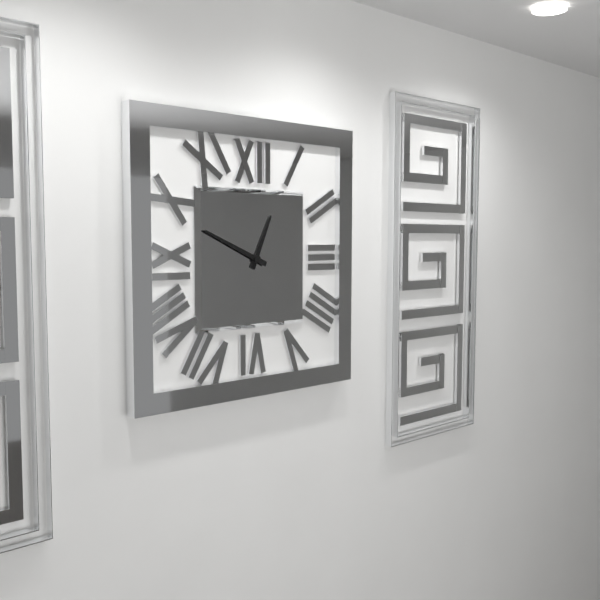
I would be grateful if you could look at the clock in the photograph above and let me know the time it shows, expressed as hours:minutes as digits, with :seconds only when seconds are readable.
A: 12:49
